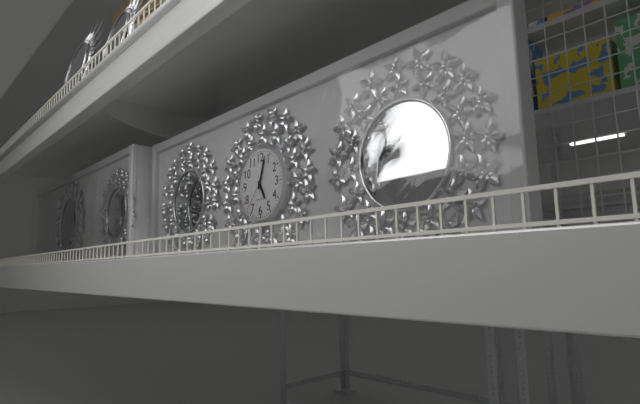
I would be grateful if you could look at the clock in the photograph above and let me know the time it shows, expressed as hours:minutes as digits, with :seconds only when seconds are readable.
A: 5:03
